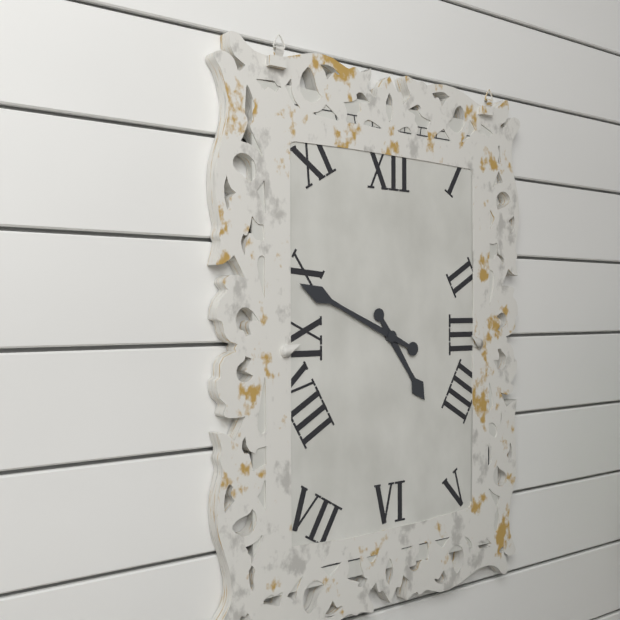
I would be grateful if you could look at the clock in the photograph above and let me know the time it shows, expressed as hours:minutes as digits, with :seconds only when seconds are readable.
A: 4:49
